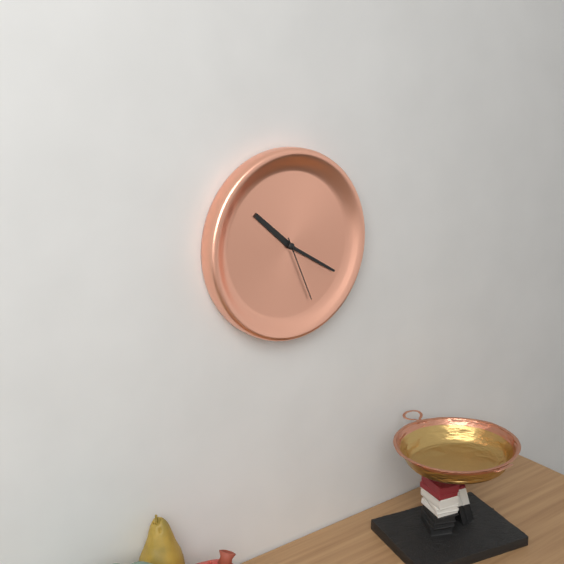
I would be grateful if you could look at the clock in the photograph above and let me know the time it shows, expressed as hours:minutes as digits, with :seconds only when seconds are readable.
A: 10:20:26
